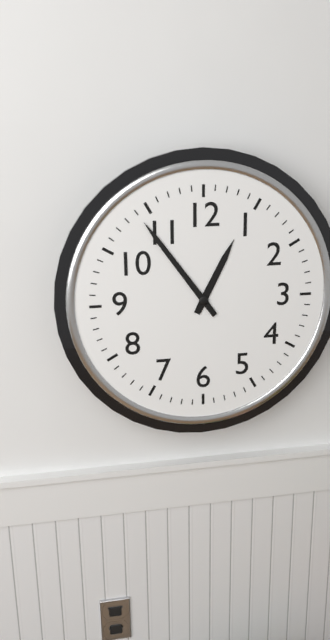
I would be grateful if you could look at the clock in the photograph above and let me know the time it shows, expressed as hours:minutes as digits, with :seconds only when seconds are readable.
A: 12:54
